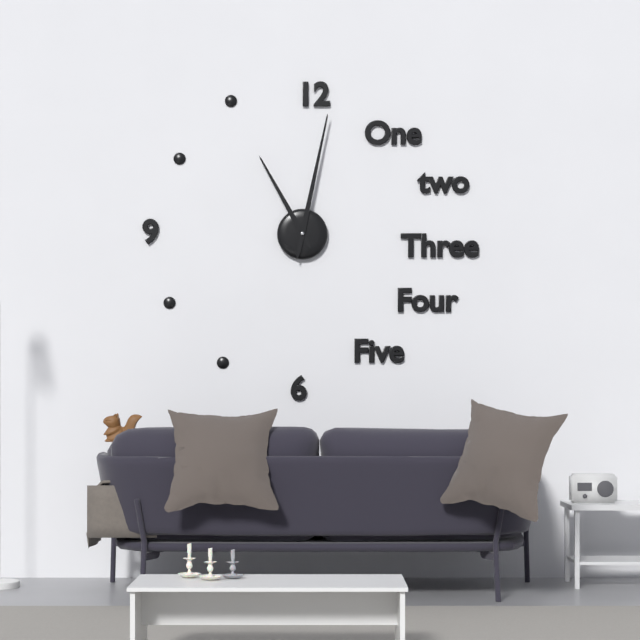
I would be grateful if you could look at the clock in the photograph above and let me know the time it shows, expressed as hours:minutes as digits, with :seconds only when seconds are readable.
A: 11:02
